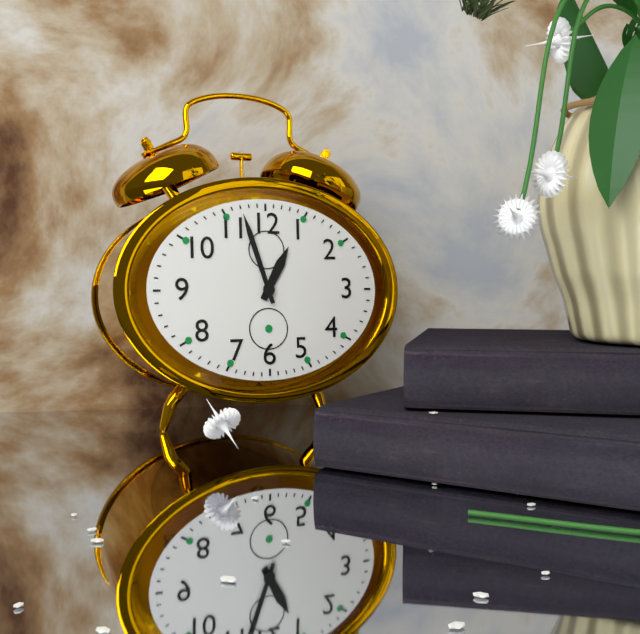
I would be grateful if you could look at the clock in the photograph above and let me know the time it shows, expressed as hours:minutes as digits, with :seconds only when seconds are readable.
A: 12:57
